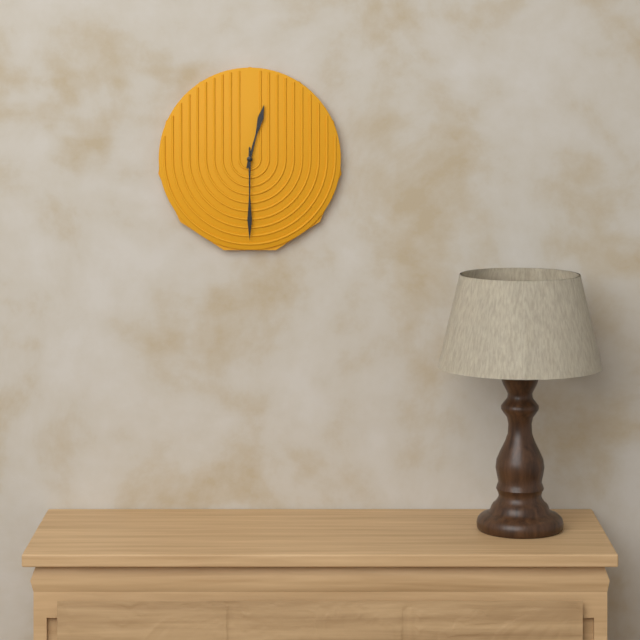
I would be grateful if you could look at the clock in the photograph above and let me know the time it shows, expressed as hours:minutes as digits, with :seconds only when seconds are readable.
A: 12:30
